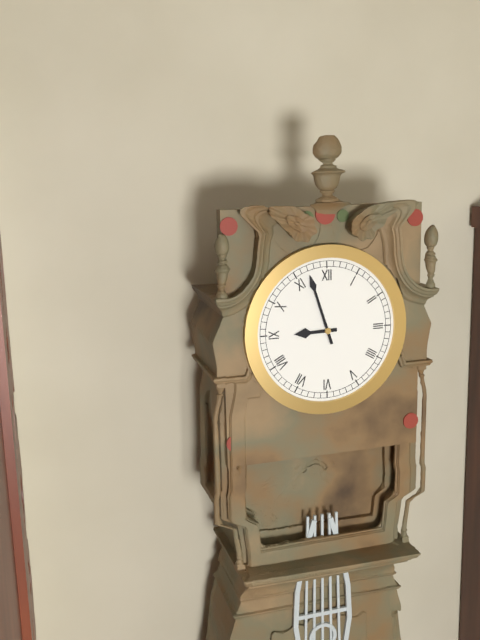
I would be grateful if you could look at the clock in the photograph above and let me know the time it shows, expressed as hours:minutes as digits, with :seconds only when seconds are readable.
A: 8:57
